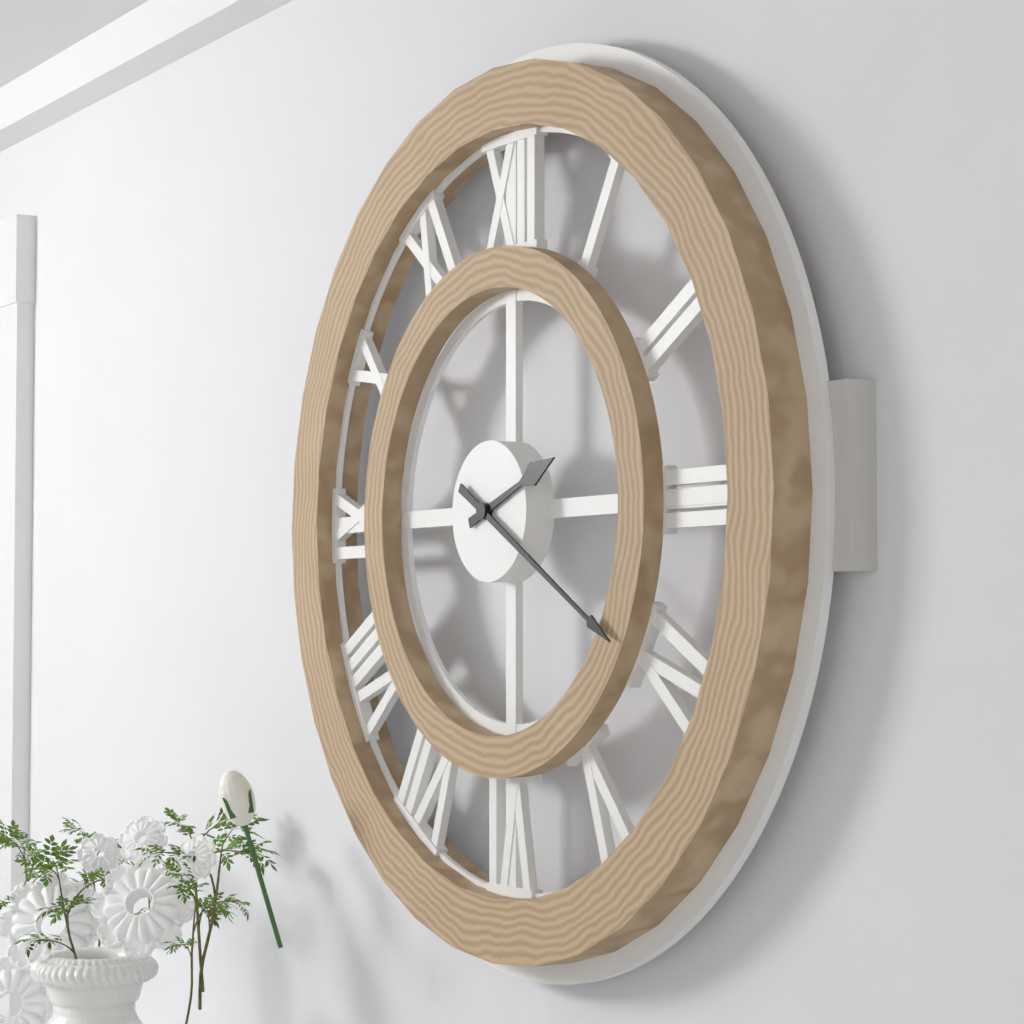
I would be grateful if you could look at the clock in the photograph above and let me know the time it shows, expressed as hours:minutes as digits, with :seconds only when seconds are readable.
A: 2:20
